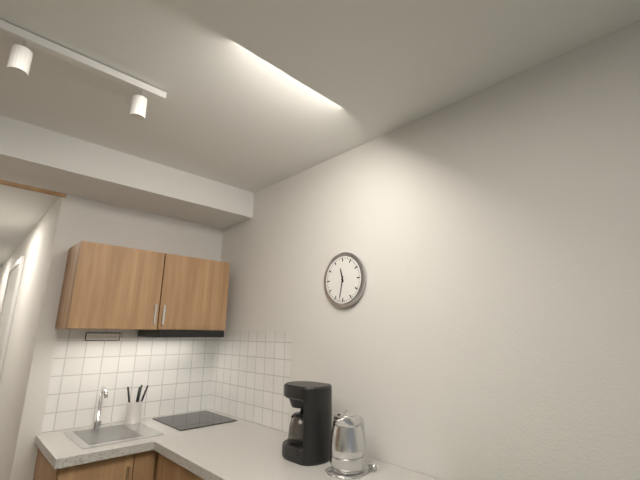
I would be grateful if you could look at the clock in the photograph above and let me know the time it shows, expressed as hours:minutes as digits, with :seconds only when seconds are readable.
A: 11:32
